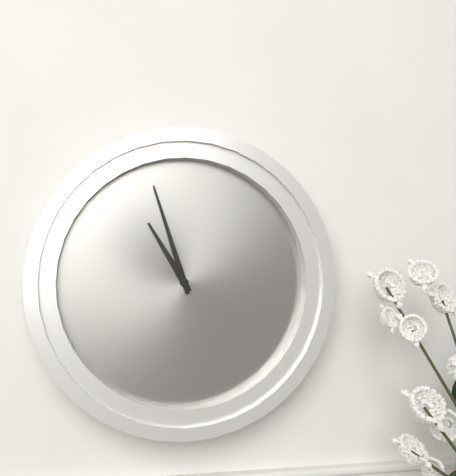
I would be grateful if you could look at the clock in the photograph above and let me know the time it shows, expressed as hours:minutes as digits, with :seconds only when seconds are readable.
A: 10:57
